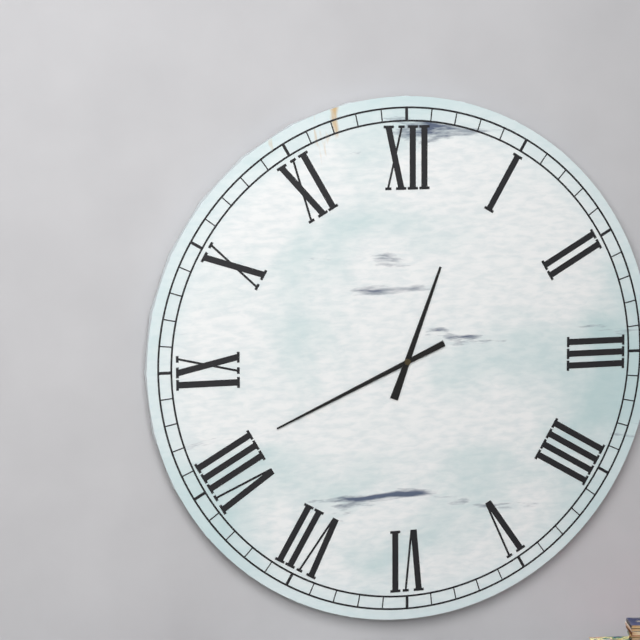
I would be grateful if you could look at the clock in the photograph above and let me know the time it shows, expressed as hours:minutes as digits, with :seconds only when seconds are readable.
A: 12:41
